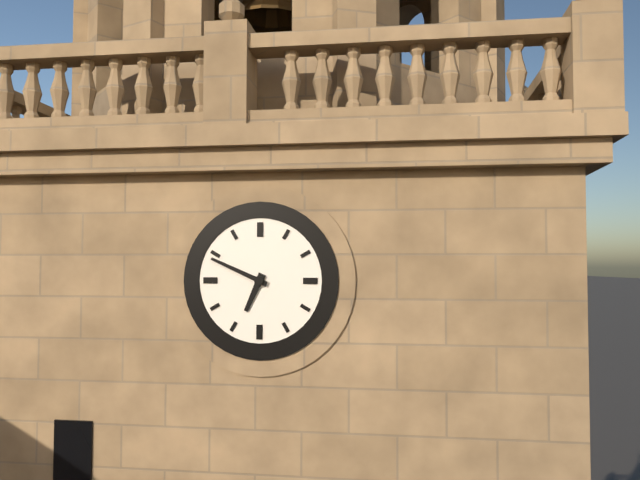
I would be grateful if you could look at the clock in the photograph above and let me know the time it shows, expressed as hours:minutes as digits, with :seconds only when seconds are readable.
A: 6:49
